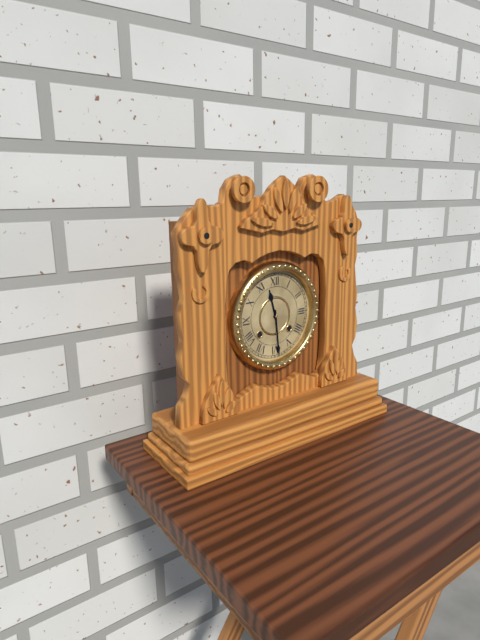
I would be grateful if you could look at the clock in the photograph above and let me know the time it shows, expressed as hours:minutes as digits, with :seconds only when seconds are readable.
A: 11:29
